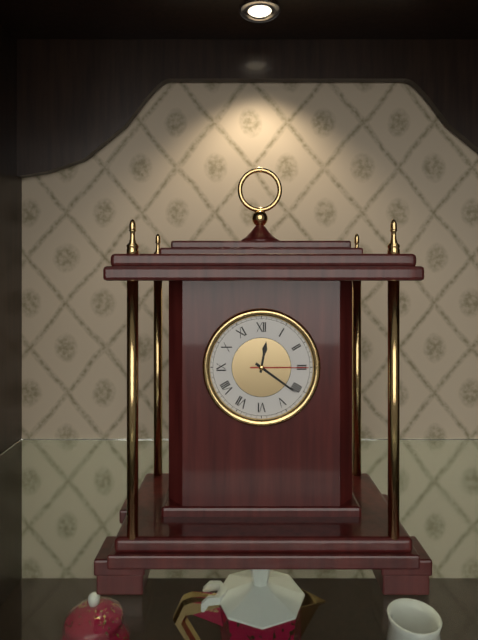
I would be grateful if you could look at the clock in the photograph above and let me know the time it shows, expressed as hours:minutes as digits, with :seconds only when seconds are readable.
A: 12:21:15
